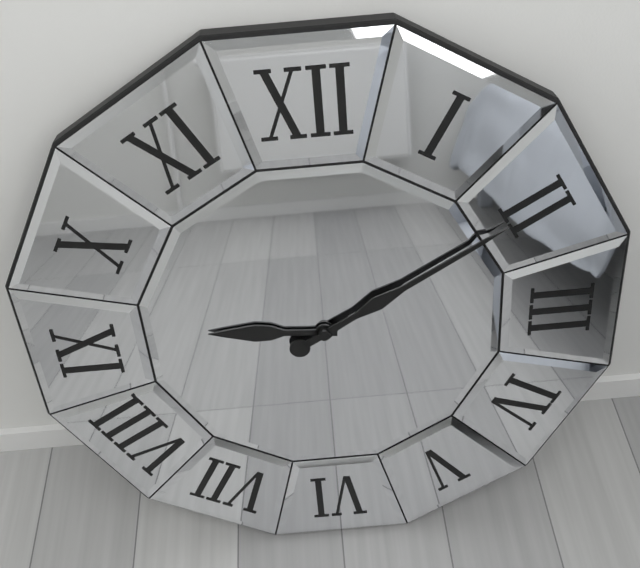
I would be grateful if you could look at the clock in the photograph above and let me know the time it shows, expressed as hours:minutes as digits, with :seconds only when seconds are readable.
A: 9:10
